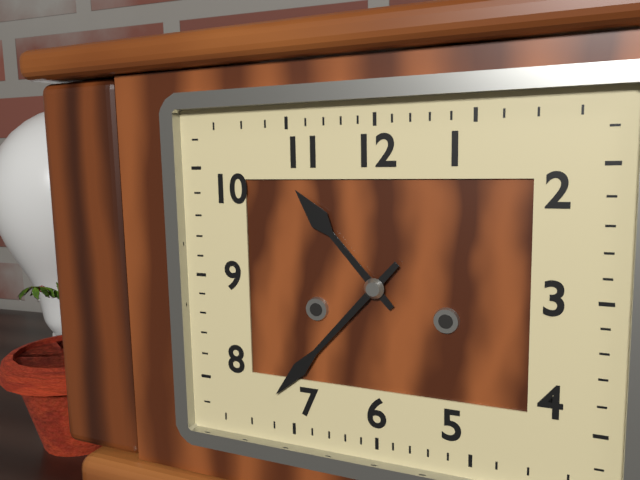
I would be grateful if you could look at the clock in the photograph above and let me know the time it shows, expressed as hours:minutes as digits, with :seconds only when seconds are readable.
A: 10:37
